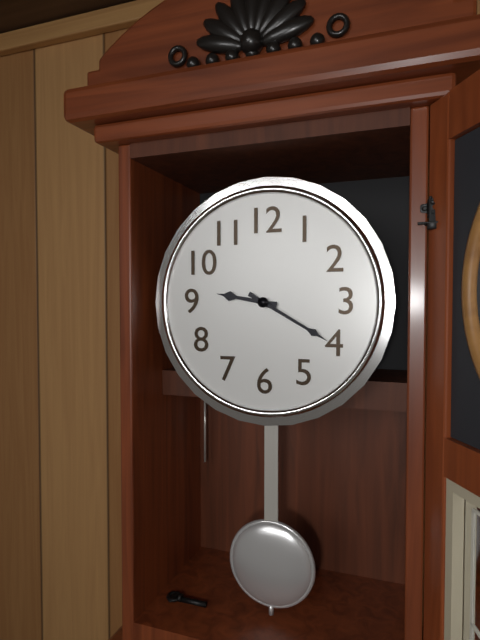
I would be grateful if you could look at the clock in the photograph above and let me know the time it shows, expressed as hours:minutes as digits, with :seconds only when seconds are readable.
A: 9:20
